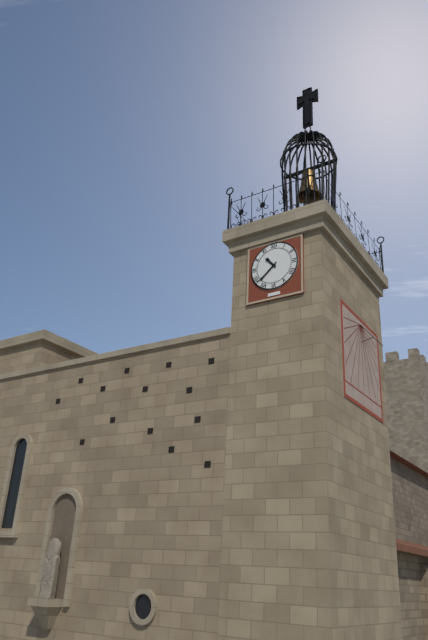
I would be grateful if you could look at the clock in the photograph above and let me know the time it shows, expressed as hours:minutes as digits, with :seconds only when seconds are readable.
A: 10:38
